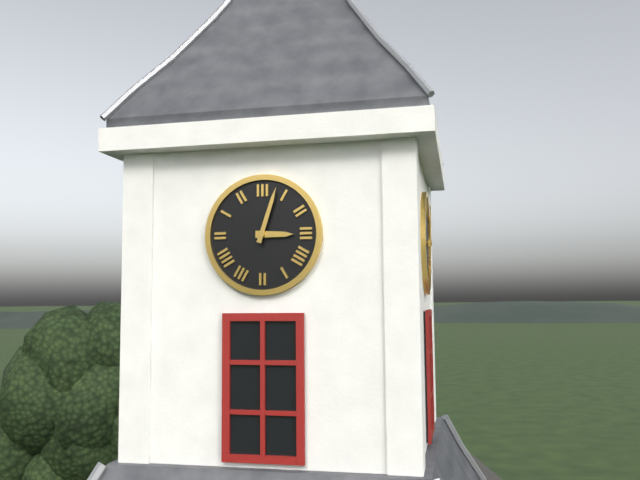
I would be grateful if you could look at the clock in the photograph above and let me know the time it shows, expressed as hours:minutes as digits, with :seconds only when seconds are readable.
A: 3:03
